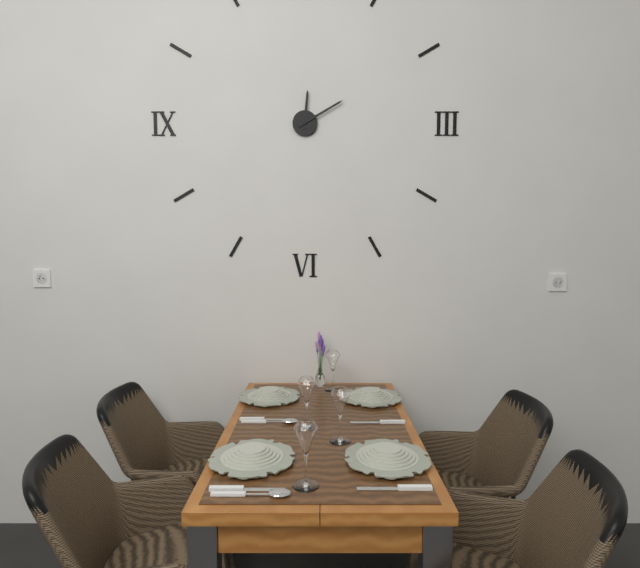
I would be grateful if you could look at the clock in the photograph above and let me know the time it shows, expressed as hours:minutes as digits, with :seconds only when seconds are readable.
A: 12:10
